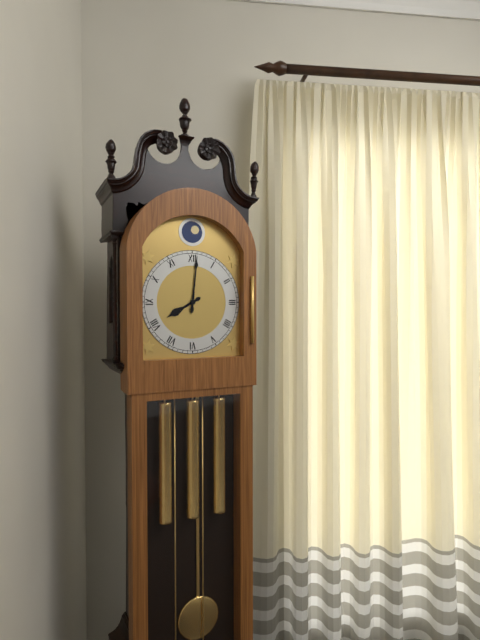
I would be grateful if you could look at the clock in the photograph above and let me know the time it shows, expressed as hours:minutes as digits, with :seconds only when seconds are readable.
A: 8:01
